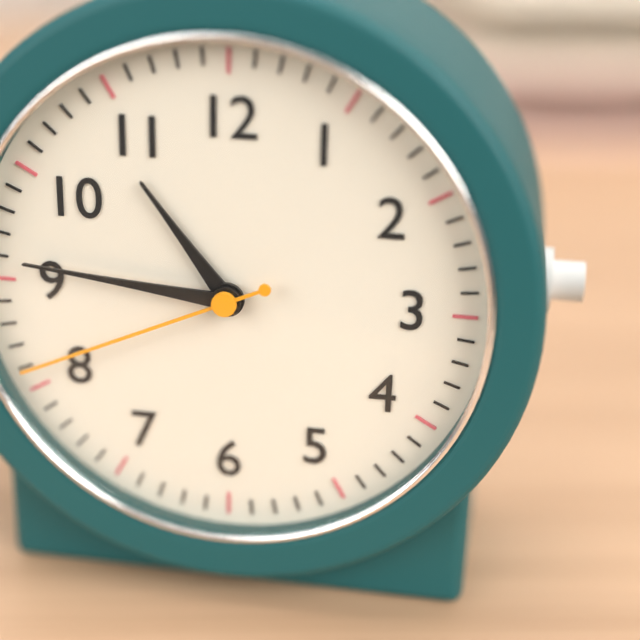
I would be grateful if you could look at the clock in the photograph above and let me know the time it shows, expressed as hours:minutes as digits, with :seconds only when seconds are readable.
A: 10:46:41
